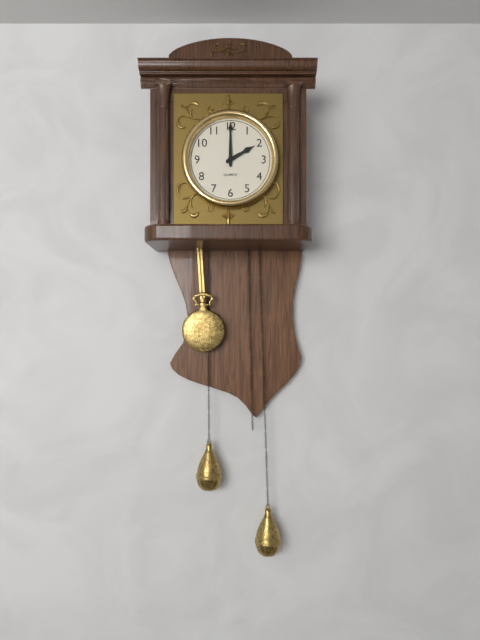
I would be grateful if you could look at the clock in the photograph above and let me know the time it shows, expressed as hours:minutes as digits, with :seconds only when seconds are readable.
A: 2:00
